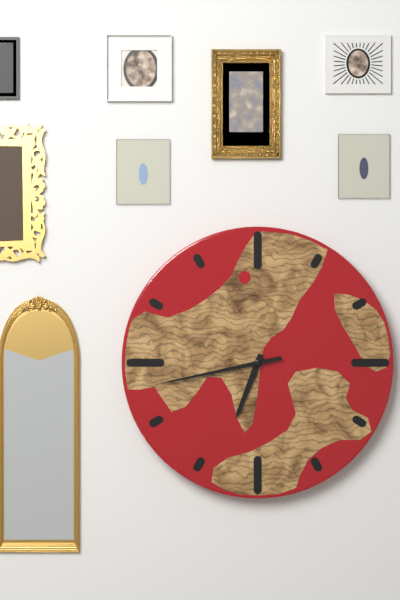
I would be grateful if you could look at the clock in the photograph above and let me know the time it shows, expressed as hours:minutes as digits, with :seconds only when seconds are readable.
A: 6:43
